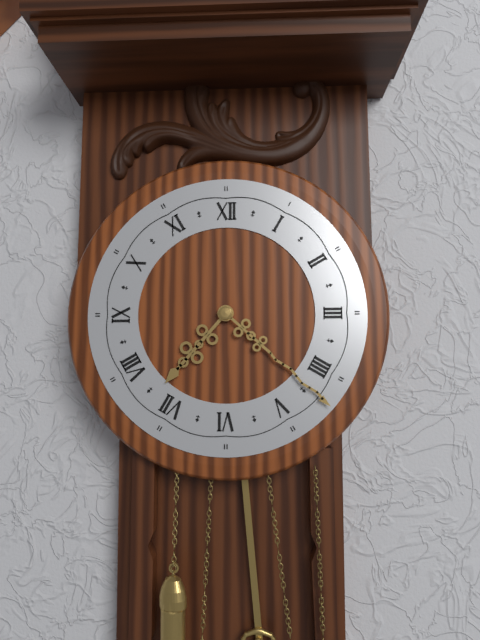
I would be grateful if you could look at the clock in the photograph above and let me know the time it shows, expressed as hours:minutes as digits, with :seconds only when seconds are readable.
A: 7:22
